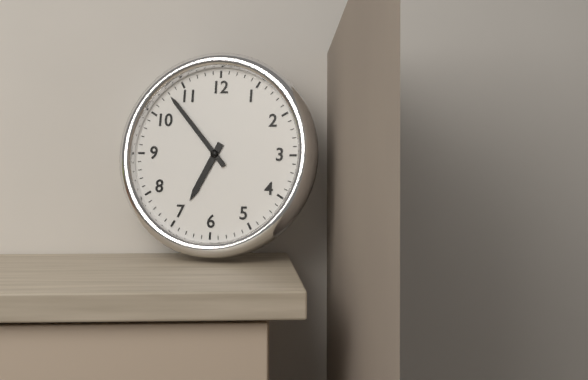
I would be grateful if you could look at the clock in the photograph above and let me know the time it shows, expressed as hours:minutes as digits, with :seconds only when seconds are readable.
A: 6:53
